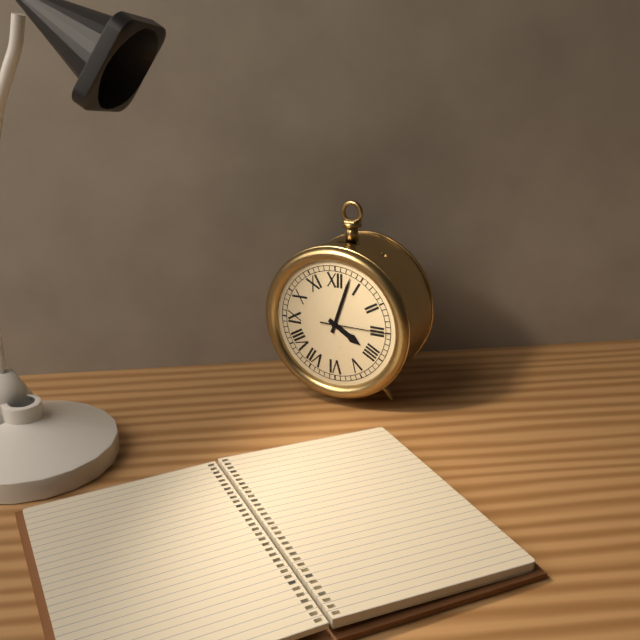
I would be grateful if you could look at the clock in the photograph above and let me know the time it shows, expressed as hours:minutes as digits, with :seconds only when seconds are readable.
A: 4:03:15
